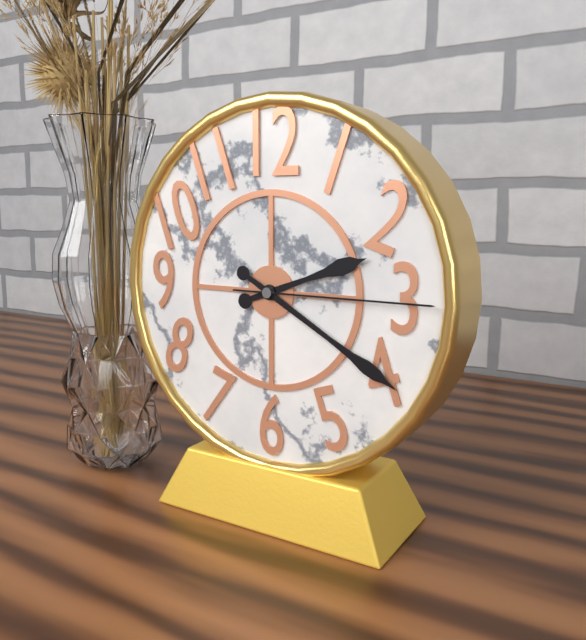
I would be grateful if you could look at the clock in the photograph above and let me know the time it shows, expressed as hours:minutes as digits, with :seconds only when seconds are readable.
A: 2:20:15
